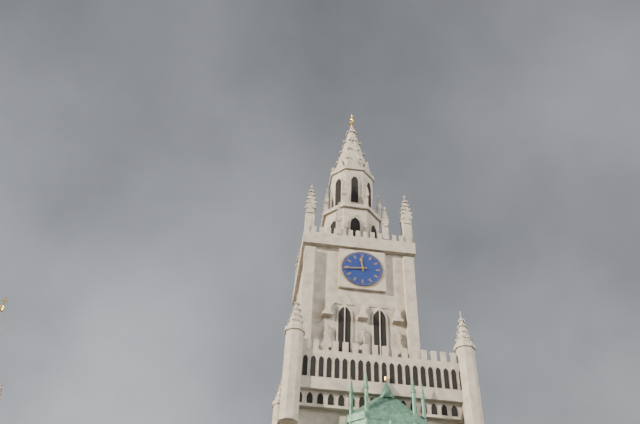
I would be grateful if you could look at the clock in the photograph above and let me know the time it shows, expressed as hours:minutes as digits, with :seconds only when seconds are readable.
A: 11:44
